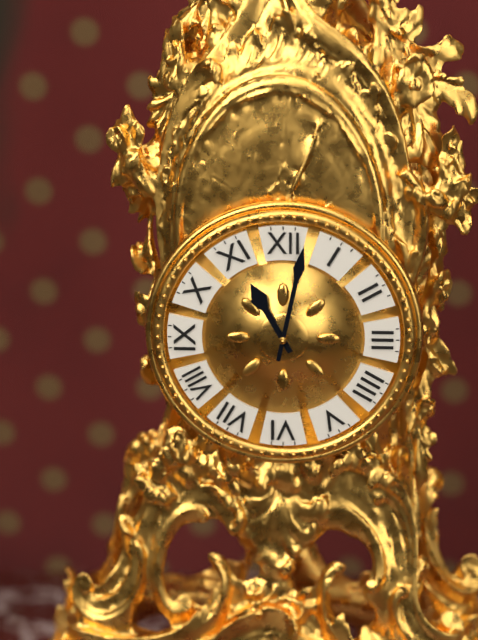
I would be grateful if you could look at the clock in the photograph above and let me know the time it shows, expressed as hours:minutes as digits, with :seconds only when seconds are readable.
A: 11:02
